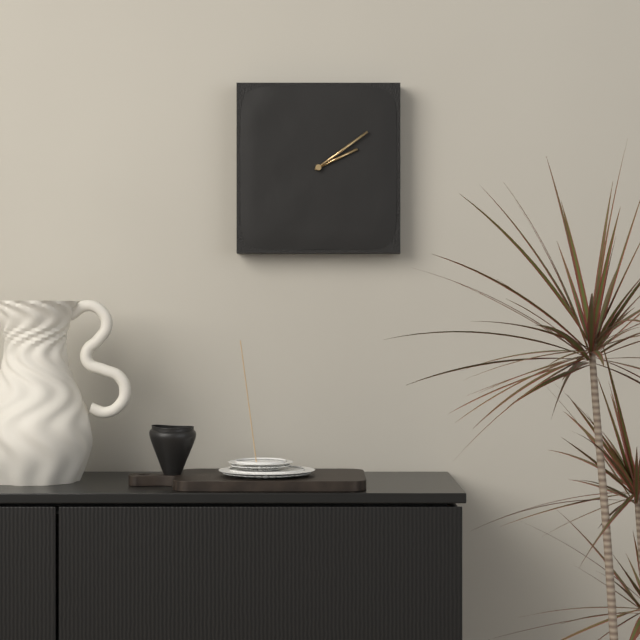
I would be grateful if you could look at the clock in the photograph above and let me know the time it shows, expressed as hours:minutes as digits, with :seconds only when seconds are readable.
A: 2:09
